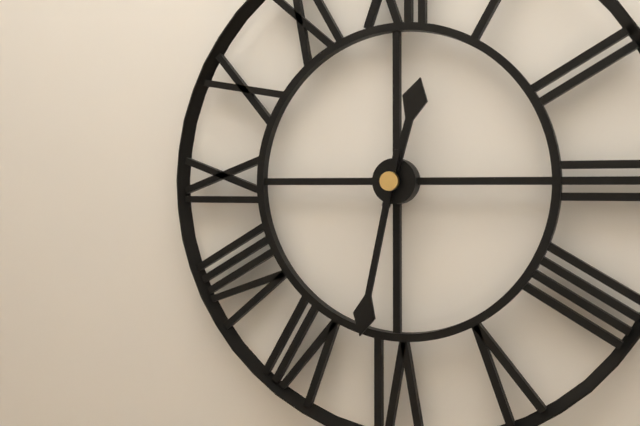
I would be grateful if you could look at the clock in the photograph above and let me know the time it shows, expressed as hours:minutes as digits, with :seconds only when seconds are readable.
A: 12:32
